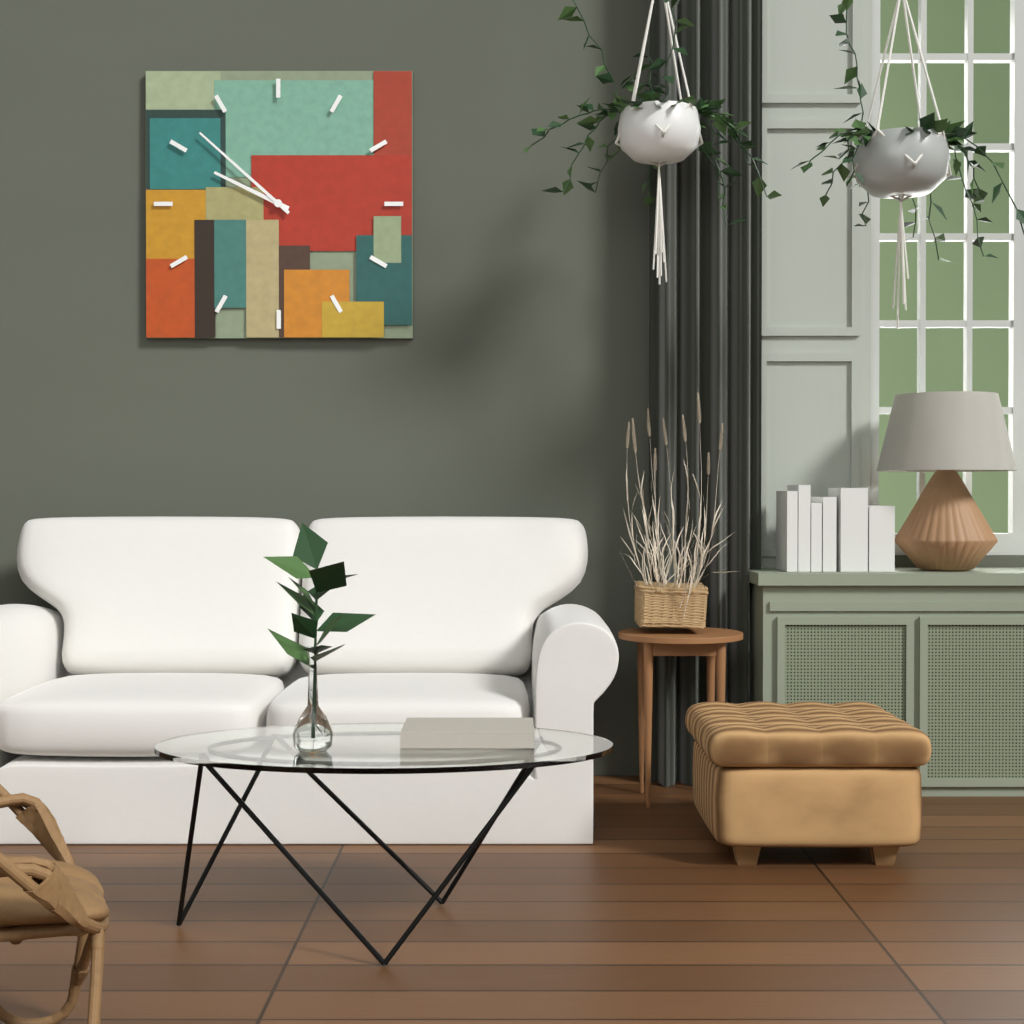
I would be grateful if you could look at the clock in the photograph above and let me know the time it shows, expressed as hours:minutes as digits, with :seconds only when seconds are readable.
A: 9:52
